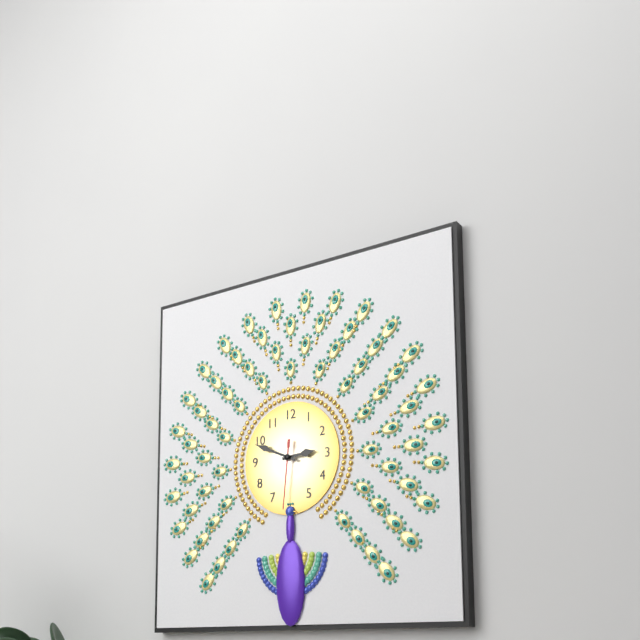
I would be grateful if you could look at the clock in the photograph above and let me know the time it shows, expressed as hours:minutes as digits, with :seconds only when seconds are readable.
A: 2:49:31
